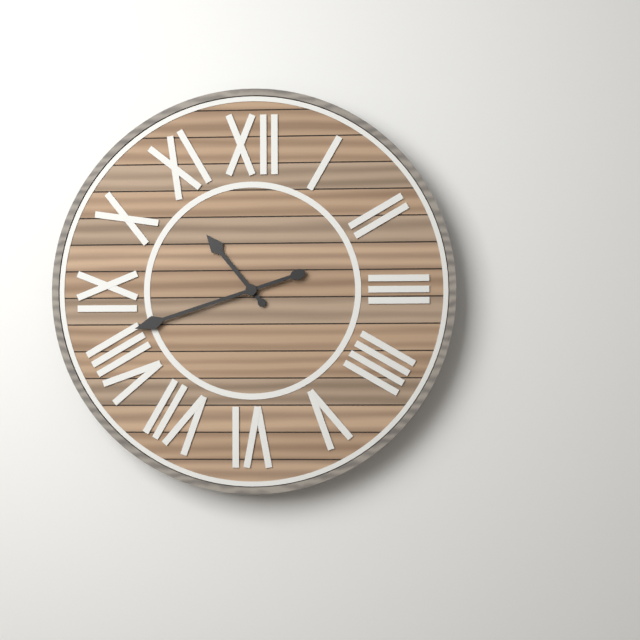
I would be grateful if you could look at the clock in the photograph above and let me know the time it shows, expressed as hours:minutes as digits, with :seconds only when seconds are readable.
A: 10:42
